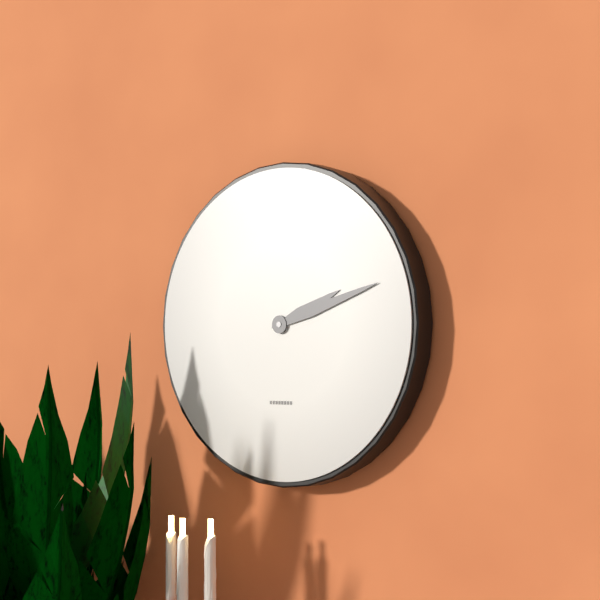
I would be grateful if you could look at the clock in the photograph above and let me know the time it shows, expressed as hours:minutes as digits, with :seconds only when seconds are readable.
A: 2:12
